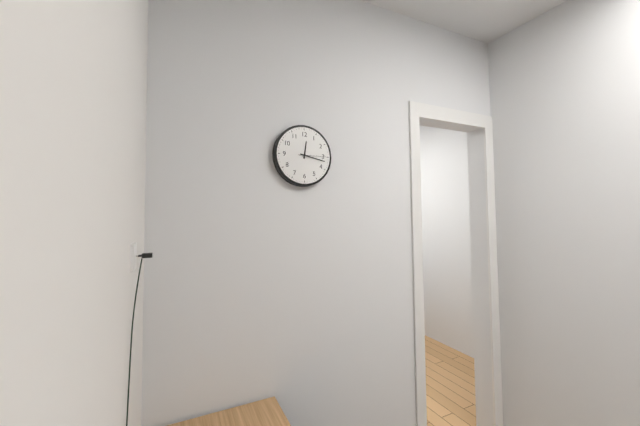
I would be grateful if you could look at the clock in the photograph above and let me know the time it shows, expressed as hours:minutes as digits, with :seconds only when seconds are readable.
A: 12:17
